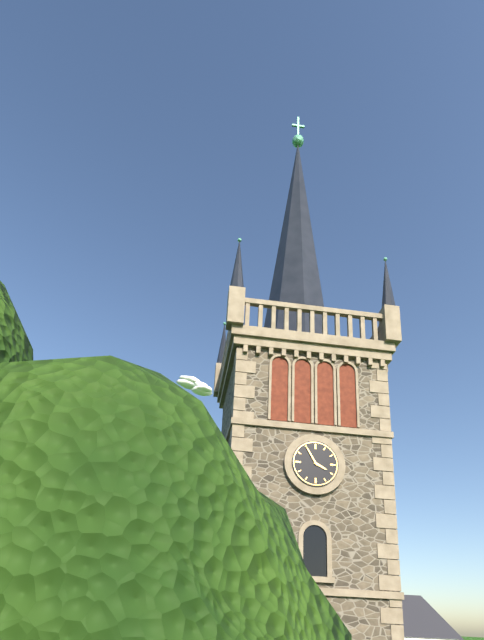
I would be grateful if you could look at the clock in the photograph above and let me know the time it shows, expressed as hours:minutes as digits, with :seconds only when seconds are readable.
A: 3:55
